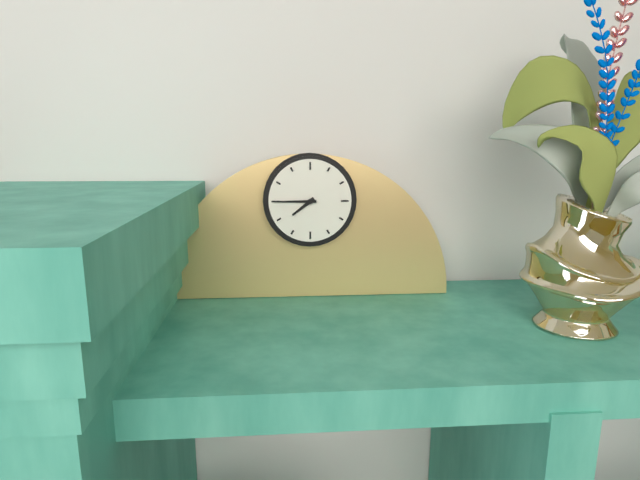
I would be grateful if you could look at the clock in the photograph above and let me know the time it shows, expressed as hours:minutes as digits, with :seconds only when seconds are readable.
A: 7:45
